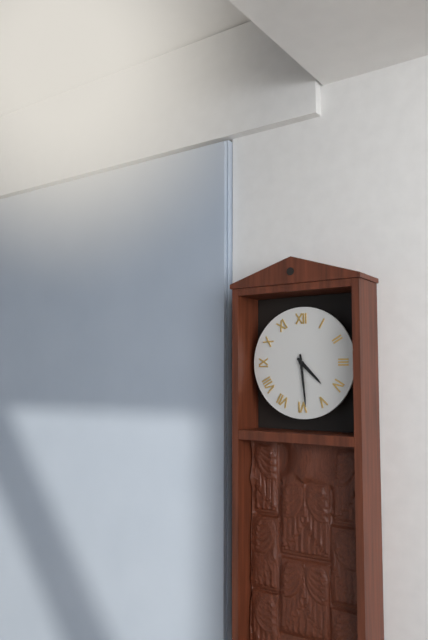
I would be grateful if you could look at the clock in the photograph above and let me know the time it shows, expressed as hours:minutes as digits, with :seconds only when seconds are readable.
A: 4:29
